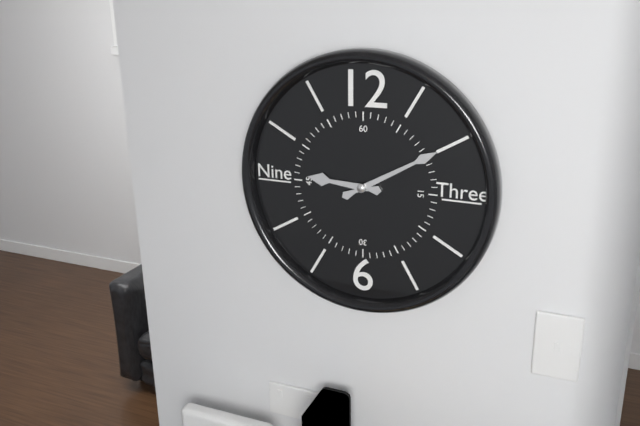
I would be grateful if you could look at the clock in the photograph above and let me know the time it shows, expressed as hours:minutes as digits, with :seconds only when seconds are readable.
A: 9:10
